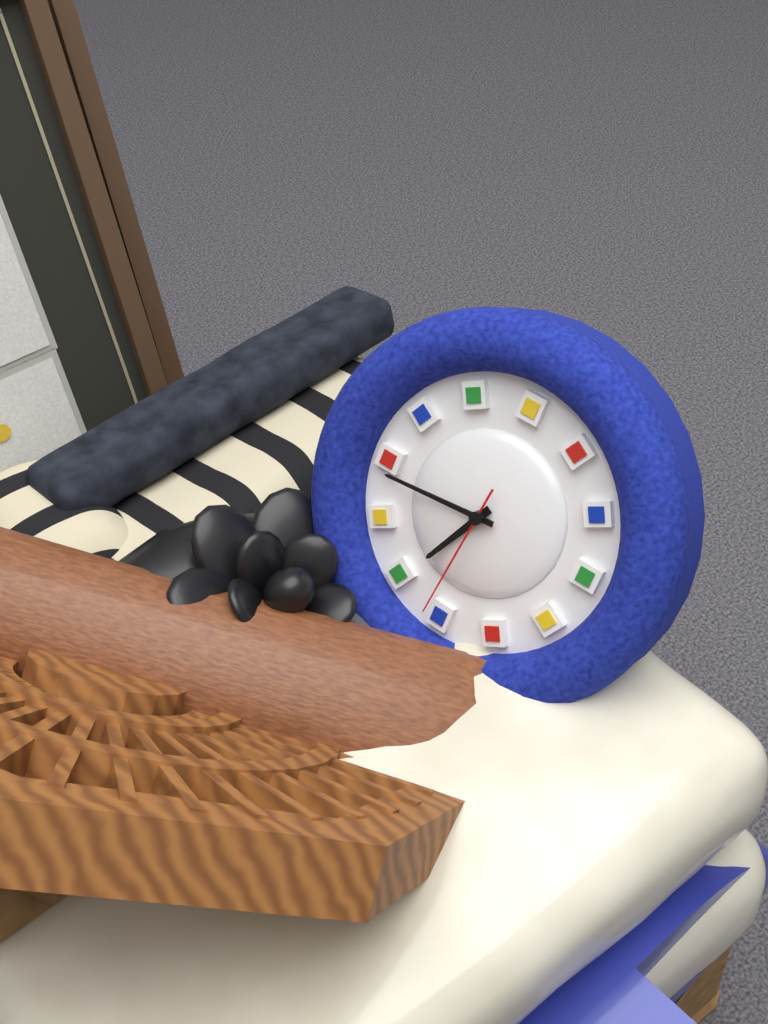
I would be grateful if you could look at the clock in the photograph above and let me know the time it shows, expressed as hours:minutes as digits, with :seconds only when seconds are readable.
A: 8:54:41
